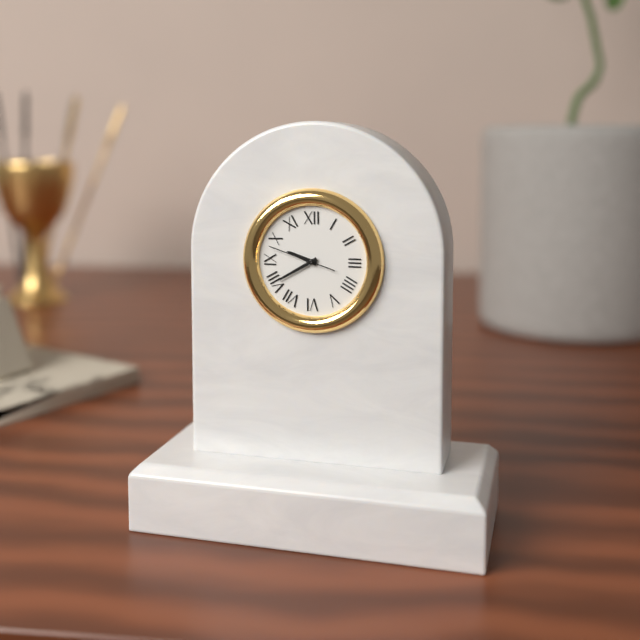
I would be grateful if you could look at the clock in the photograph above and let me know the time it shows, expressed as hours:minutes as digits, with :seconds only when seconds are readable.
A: 9:40:48
